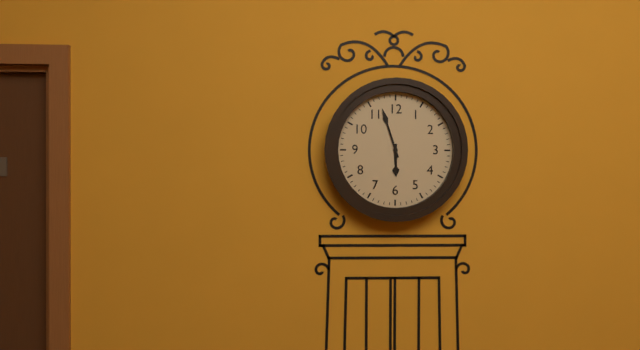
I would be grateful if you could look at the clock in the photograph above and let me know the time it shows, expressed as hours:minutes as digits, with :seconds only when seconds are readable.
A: 5:57
